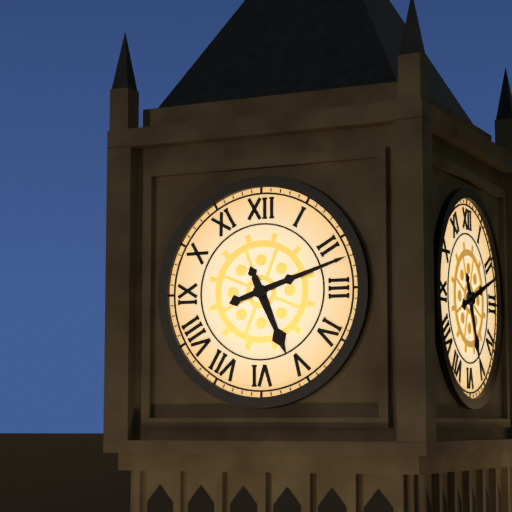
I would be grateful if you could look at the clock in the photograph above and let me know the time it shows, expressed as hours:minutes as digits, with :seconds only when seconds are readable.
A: 5:12
